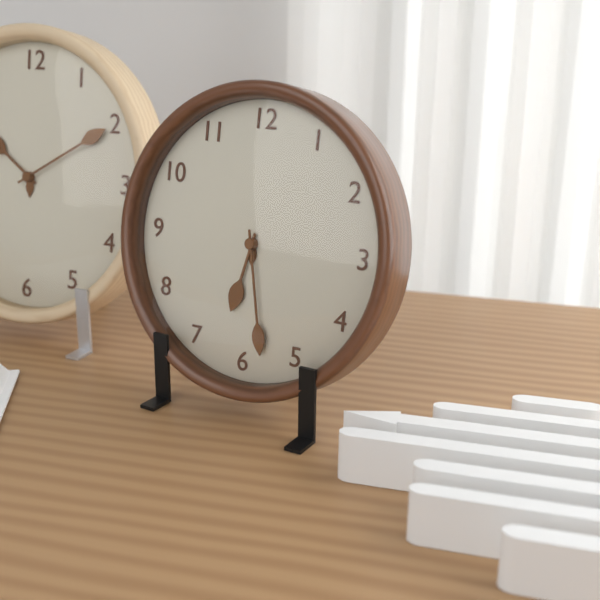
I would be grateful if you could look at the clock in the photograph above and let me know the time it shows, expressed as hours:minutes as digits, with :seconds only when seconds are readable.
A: 6:28
